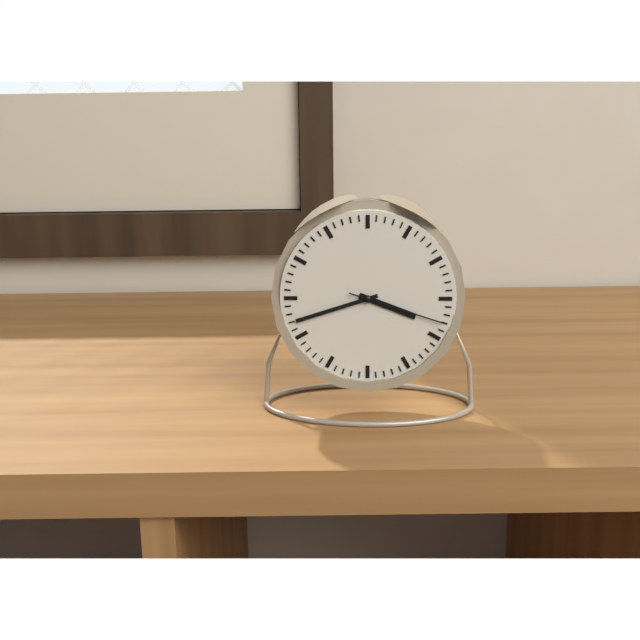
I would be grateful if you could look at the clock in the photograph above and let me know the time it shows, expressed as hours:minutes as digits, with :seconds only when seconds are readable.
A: 3:42:18
